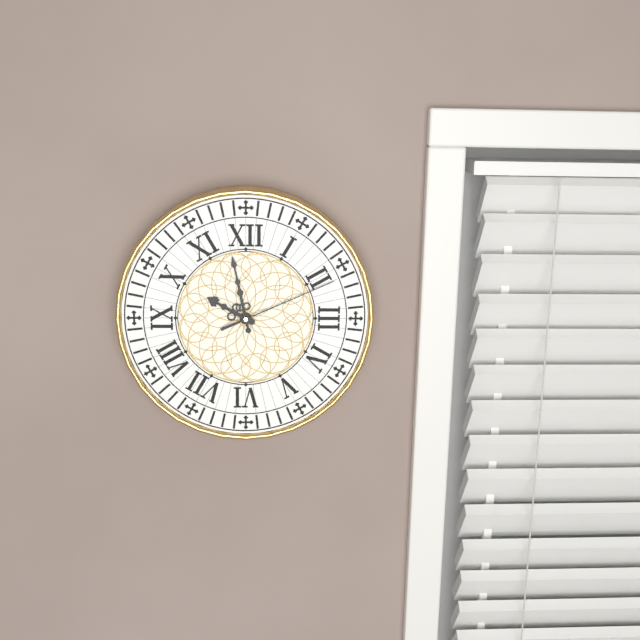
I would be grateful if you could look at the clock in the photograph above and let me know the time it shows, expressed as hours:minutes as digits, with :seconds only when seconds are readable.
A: 9:58:11
